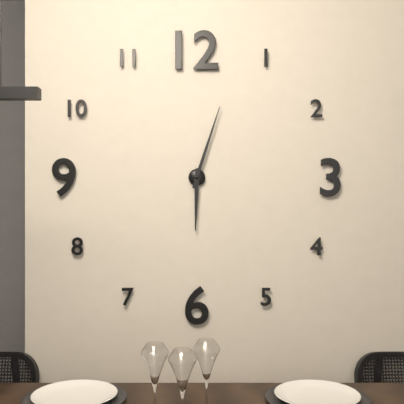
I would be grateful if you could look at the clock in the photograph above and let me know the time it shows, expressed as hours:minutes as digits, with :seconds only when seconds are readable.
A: 6:03
